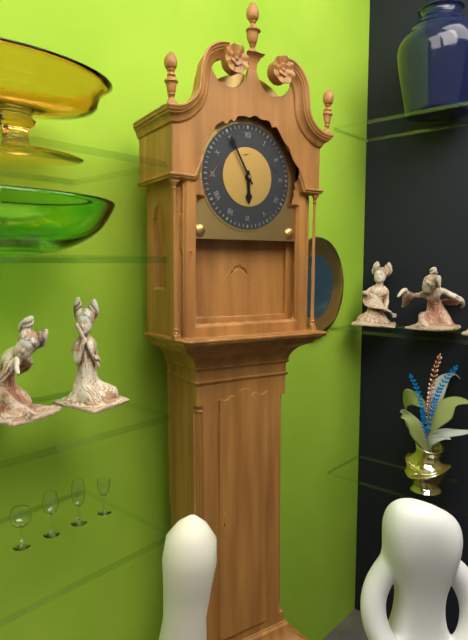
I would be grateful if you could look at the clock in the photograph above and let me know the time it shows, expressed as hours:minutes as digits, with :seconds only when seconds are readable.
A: 5:55
